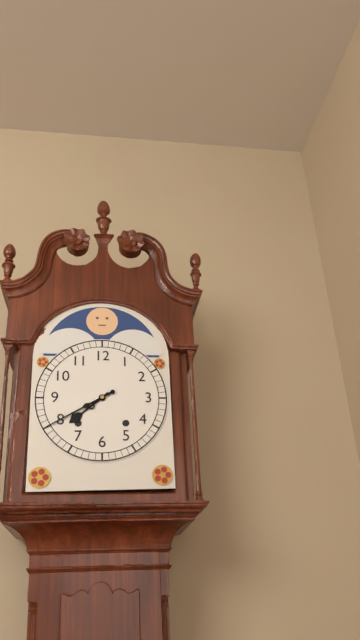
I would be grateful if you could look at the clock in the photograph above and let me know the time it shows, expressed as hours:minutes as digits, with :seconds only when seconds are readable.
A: 7:40
